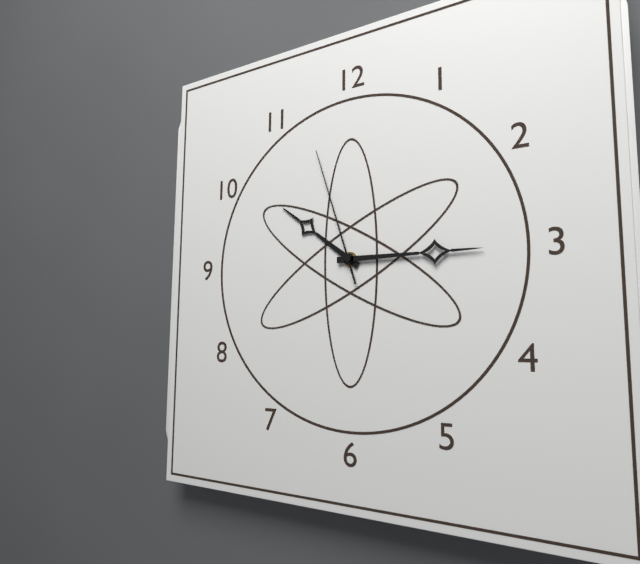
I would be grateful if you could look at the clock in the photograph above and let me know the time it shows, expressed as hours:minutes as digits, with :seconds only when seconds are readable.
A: 10:15:57
